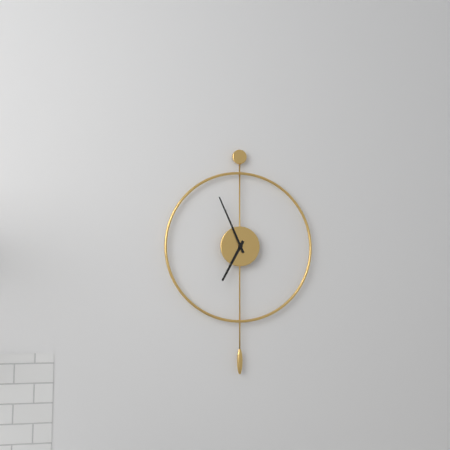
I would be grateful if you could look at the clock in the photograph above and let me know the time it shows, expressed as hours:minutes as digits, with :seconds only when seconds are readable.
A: 6:56
